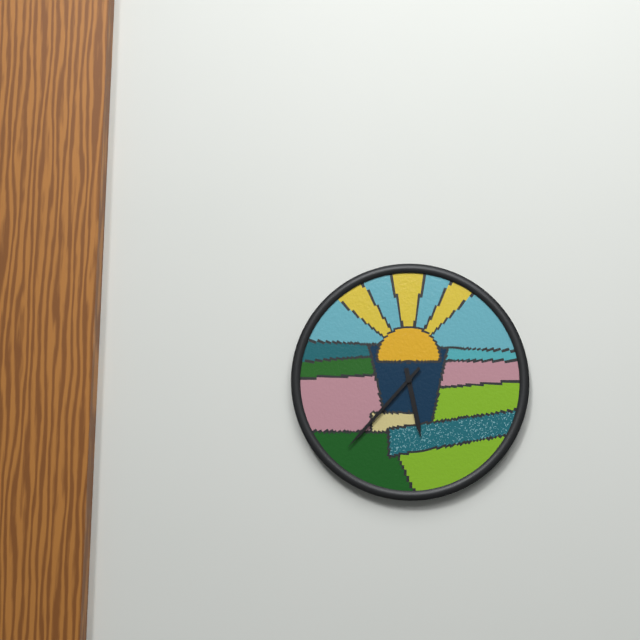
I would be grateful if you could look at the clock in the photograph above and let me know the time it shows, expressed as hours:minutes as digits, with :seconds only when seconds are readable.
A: 5:37
